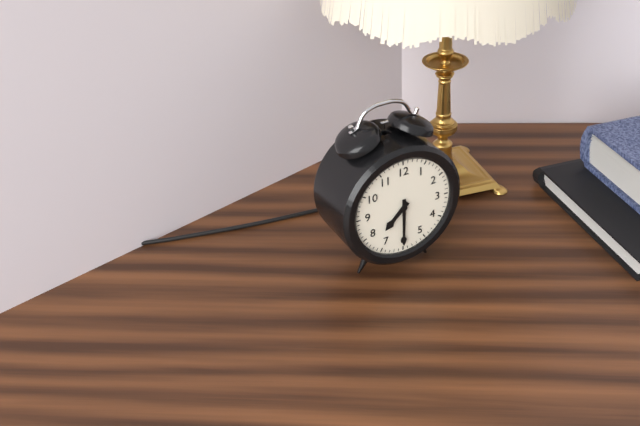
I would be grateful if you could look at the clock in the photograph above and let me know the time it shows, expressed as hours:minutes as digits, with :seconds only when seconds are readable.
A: 7:30
